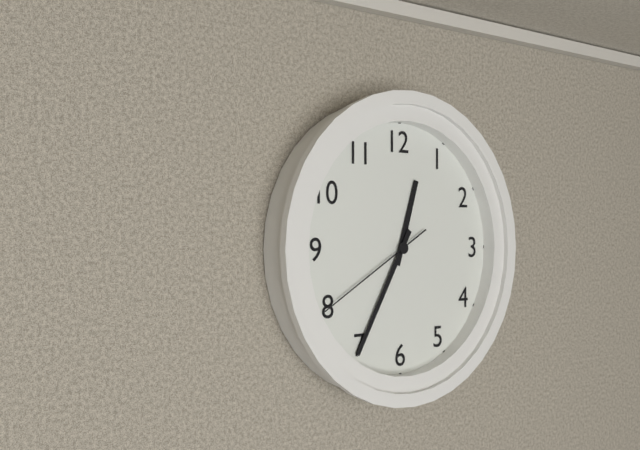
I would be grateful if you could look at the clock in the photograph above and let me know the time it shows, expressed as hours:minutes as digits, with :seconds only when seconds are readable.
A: 12:35:40
